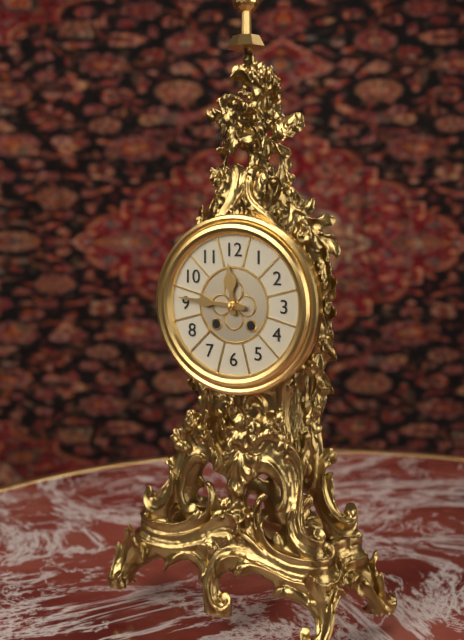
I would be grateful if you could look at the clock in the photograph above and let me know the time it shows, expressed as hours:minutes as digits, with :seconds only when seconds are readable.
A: 11:46
